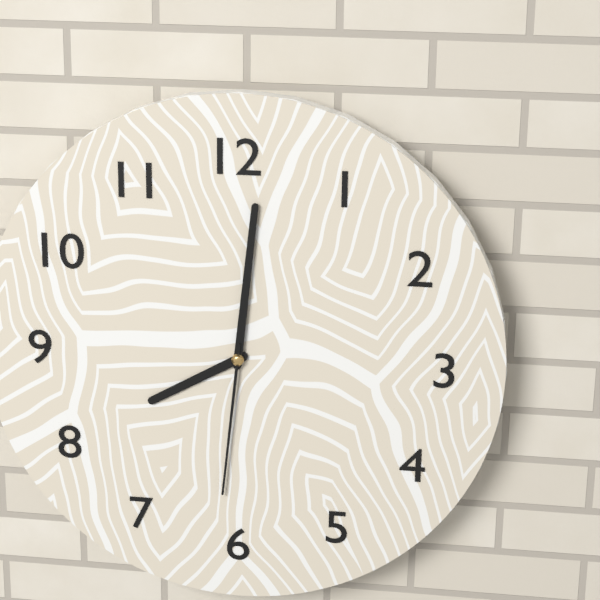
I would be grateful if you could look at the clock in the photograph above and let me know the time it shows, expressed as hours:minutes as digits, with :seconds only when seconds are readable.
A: 8:01:31
